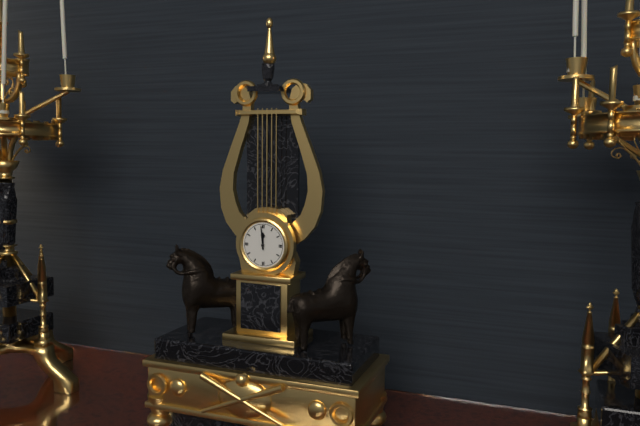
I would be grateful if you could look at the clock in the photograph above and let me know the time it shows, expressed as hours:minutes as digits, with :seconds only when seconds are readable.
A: 11:59
